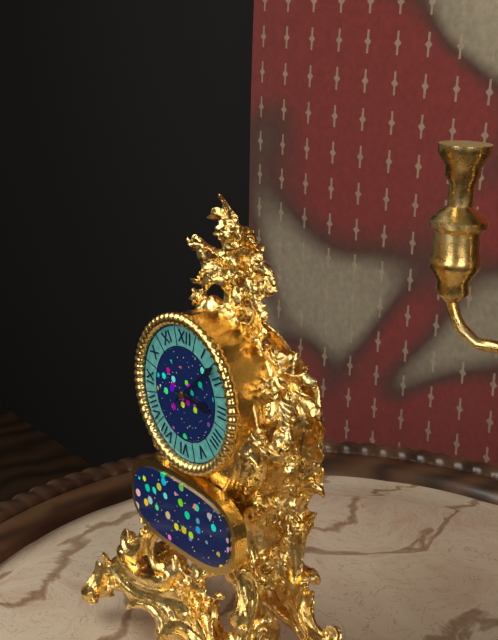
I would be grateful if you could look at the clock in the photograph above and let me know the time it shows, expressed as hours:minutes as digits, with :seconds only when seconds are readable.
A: 3:08
